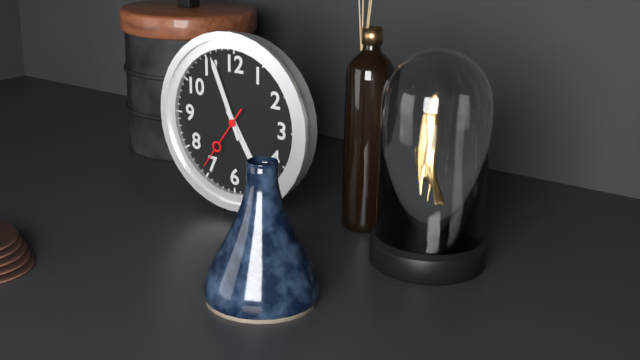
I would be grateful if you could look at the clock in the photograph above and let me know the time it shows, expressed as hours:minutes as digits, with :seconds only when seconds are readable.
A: 4:56:36
